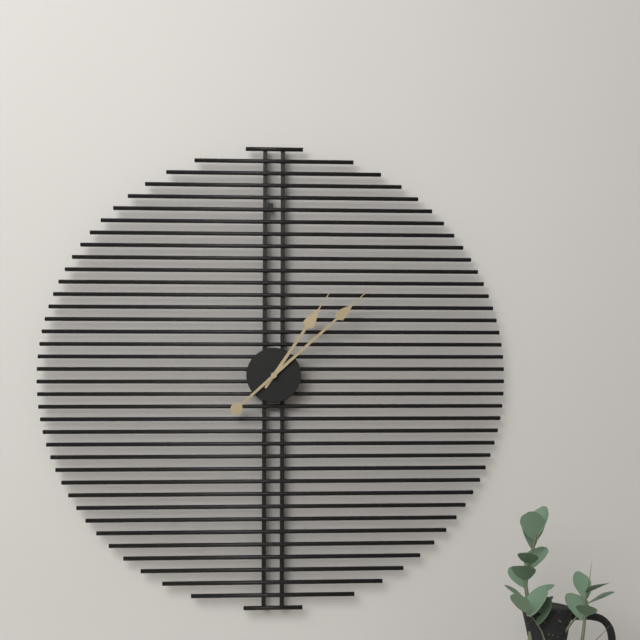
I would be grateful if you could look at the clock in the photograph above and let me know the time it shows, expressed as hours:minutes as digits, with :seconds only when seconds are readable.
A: 1:08
